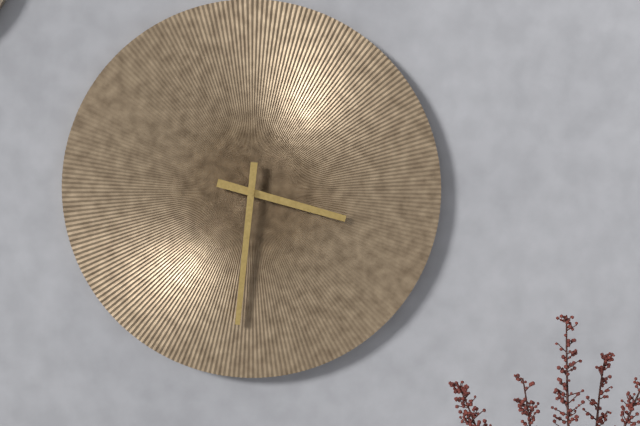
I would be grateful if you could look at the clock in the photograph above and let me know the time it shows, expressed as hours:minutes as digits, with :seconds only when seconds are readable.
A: 3:31
